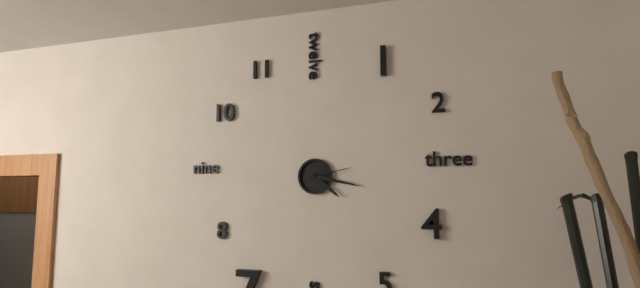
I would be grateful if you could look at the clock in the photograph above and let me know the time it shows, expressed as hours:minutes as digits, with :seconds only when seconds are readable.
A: 4:17
